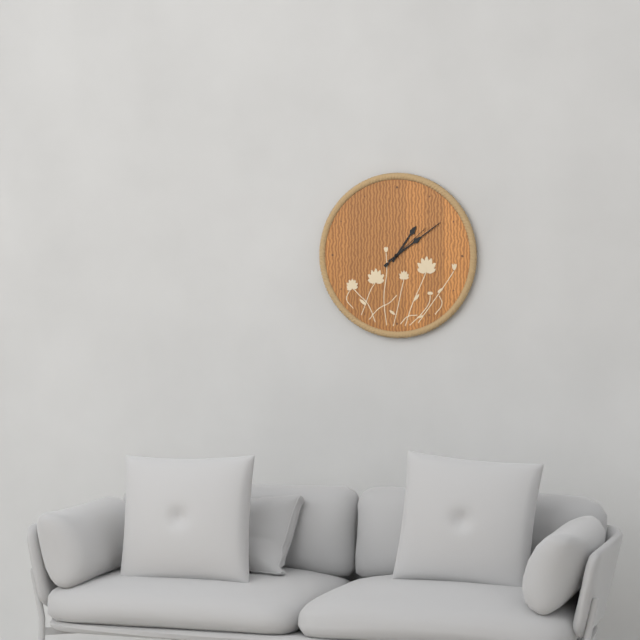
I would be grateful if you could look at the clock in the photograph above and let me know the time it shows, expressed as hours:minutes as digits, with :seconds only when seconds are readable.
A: 1:09:08
